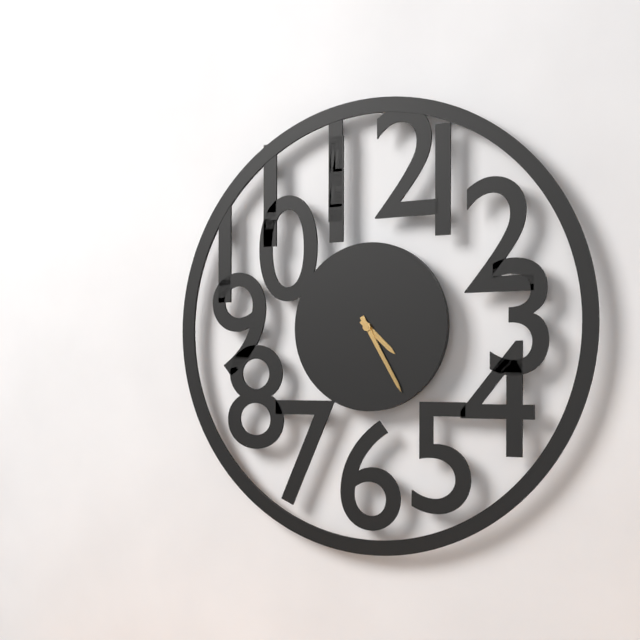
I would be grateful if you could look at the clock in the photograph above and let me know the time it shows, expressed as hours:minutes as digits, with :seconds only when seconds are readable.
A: 4:25
